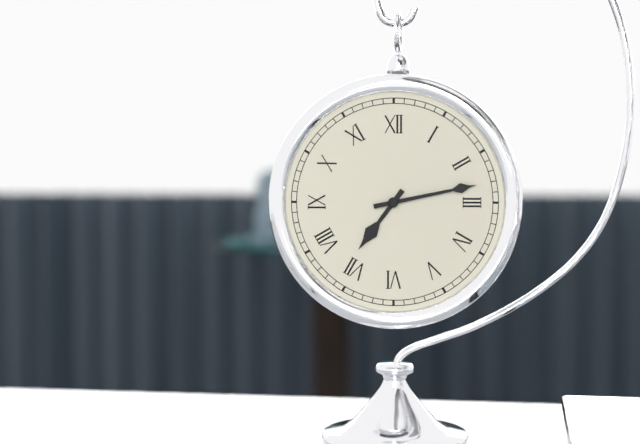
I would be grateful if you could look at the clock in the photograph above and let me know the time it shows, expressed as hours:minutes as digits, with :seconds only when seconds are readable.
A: 7:13
